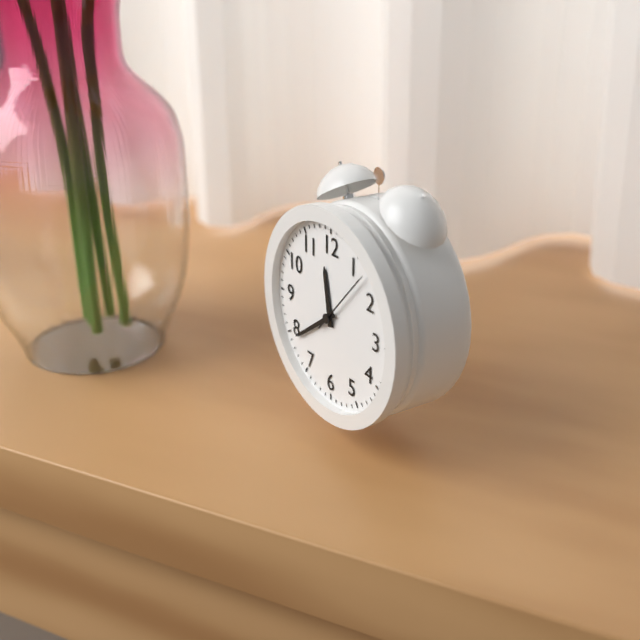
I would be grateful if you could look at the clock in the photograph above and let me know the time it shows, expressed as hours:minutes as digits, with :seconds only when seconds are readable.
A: 11:39:07
